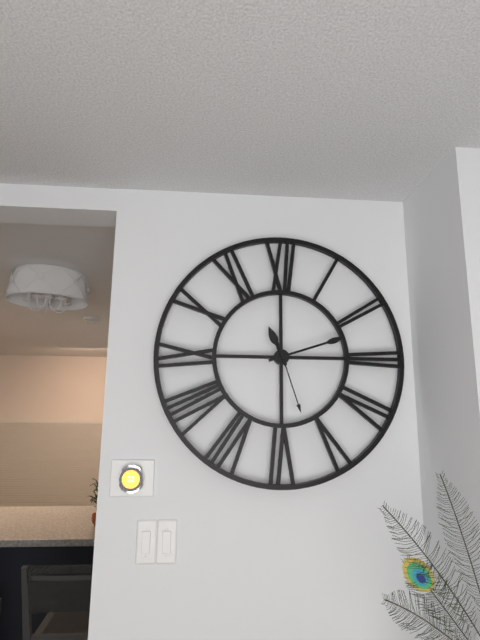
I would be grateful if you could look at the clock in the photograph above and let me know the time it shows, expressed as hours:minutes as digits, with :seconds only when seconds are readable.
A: 11:12:27
